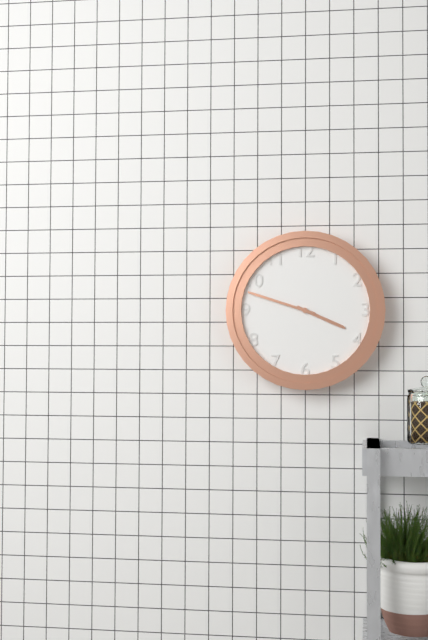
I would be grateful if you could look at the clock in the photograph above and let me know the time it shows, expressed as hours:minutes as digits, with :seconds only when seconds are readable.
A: 3:48
